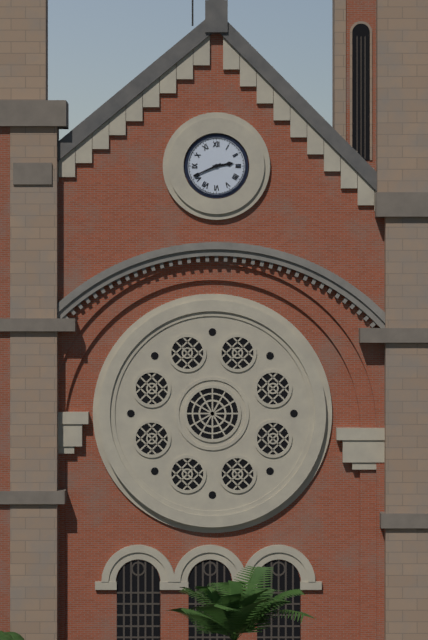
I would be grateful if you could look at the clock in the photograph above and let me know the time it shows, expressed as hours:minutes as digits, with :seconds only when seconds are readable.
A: 2:41
